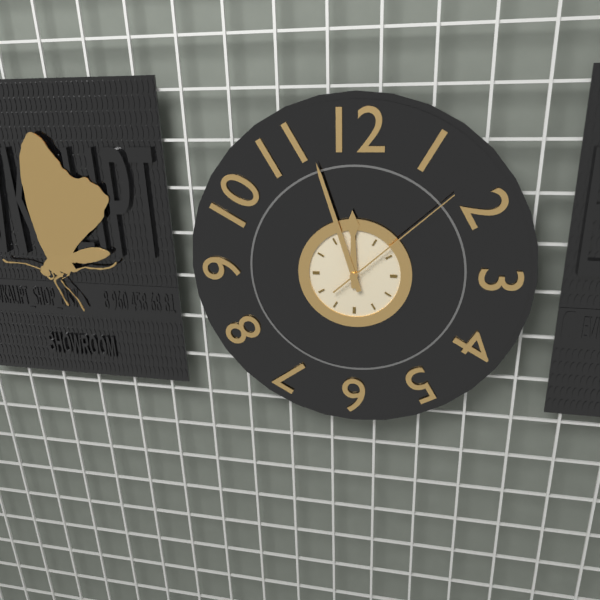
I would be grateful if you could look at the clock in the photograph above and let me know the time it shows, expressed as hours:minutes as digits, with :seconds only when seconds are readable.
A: 11:57:08
